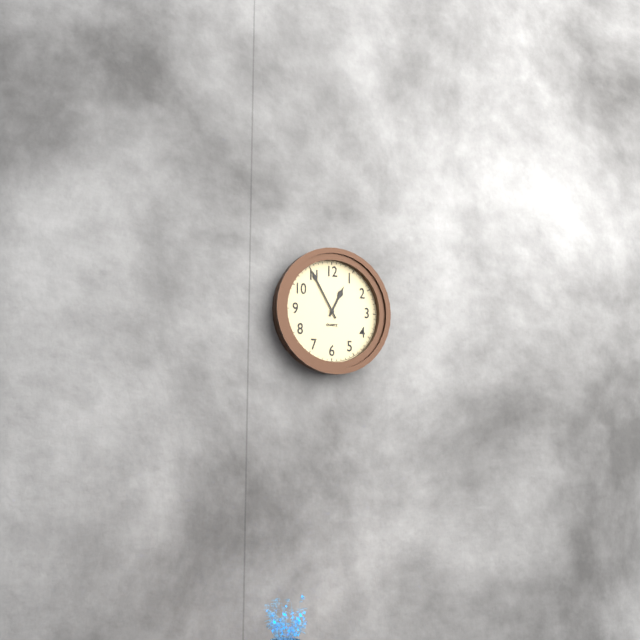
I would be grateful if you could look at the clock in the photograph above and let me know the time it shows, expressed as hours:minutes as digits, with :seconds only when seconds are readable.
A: 12:55
